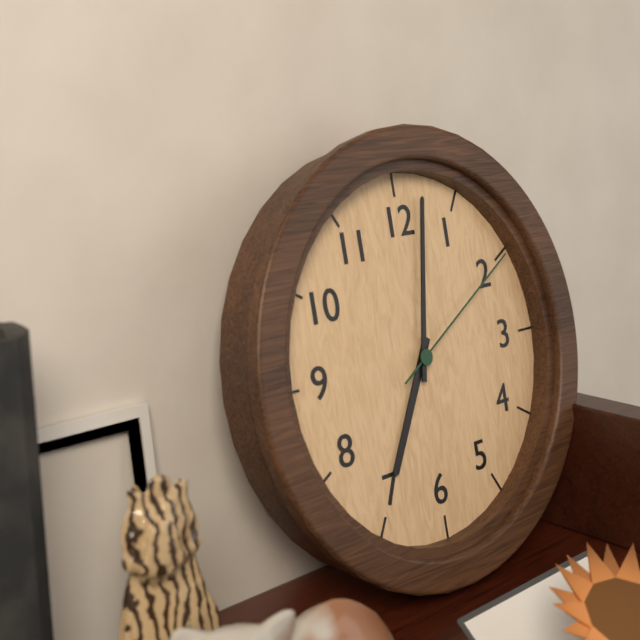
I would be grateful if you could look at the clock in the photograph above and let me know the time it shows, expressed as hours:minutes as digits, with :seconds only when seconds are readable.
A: 7:02:10
